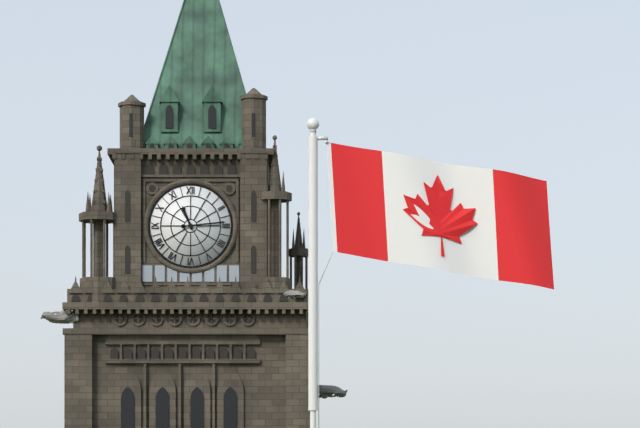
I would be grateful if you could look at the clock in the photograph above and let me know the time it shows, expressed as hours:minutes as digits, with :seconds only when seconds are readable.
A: 11:14
